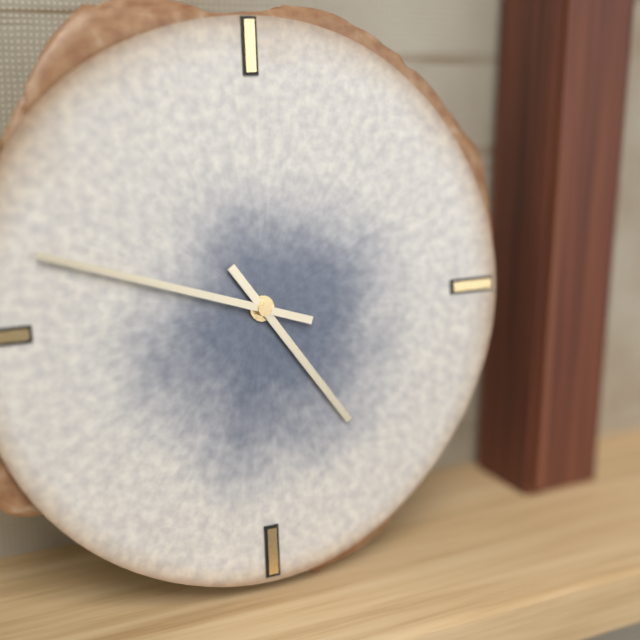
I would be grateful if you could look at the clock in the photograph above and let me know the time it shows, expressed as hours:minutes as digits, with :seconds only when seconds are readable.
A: 4:48
